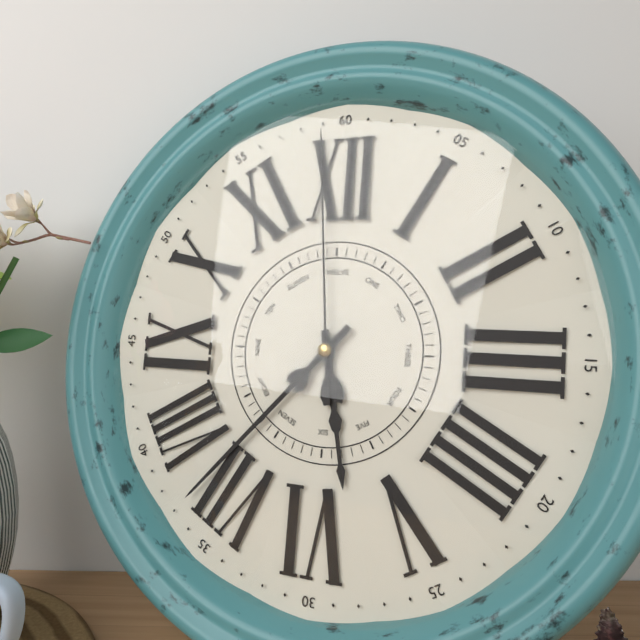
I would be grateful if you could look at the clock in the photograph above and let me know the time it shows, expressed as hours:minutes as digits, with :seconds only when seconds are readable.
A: 5:37:59
